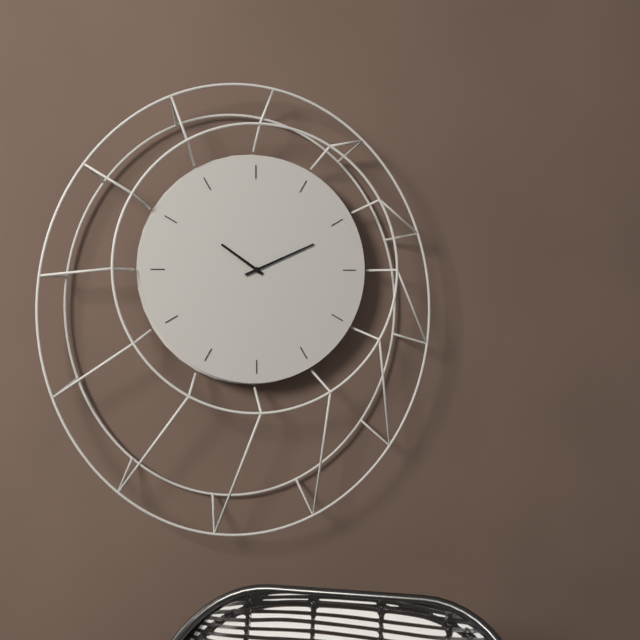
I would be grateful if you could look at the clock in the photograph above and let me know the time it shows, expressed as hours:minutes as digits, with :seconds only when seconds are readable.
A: 10:11
